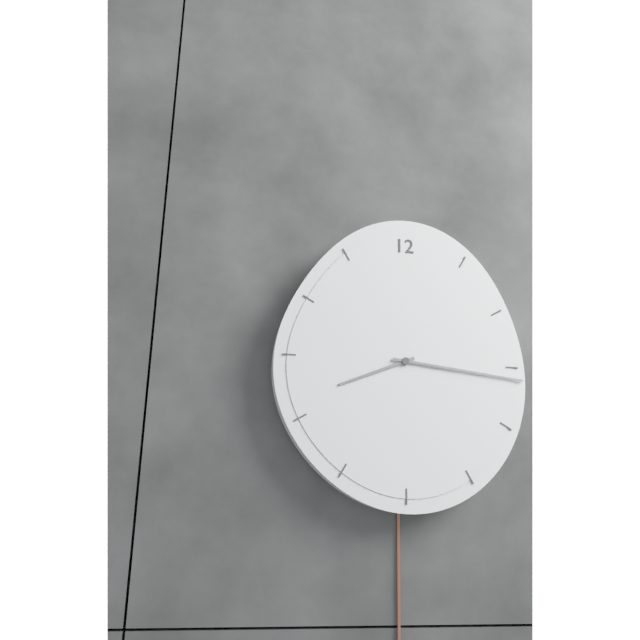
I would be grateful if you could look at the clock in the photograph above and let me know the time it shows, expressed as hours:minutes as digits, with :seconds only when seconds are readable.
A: 8:16
